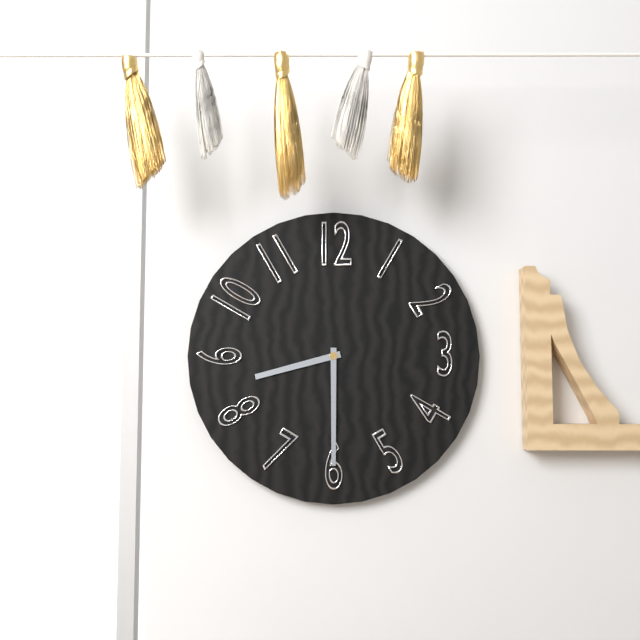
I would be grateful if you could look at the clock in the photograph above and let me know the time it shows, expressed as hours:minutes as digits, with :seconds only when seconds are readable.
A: 8:30
